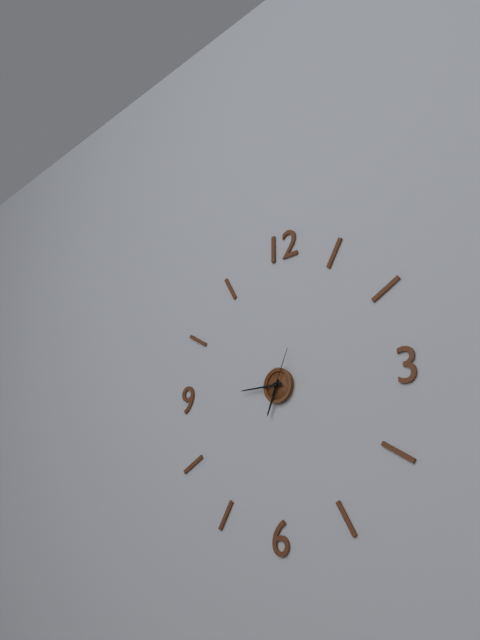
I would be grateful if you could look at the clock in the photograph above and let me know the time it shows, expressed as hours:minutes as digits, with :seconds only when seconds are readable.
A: 6:45
